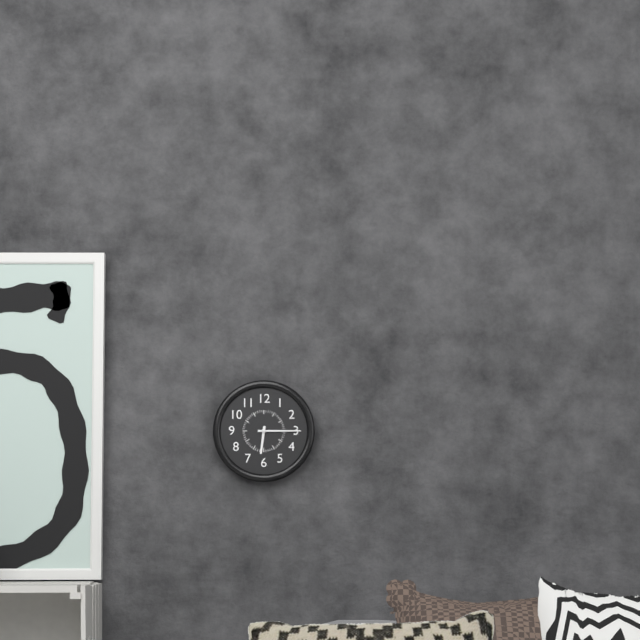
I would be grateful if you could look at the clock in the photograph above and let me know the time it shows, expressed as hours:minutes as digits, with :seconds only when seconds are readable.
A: 6:15
